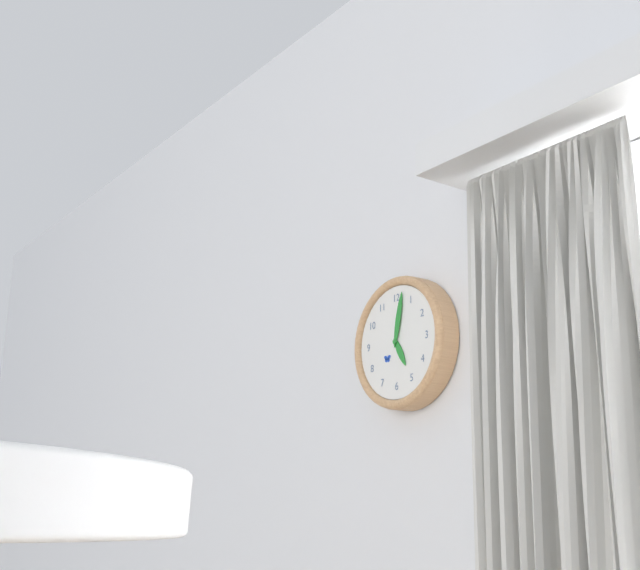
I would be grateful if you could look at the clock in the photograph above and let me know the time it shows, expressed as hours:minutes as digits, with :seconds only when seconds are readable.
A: 5:02
